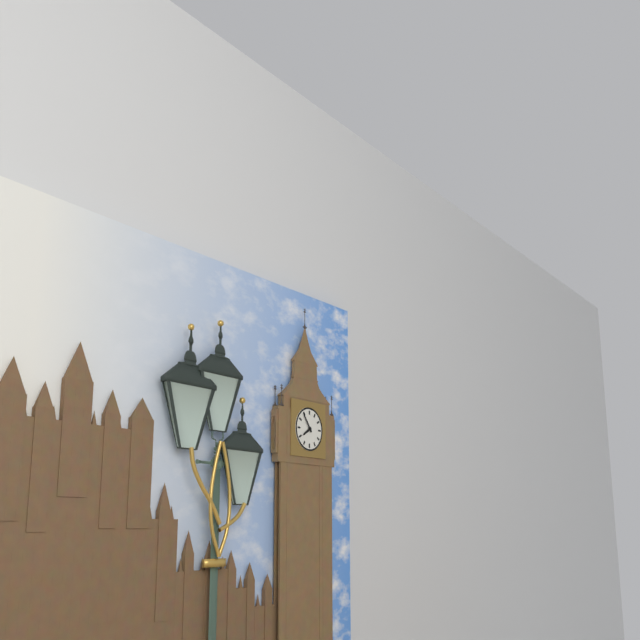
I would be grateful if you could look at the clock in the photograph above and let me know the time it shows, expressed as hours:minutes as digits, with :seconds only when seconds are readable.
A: 7:54
